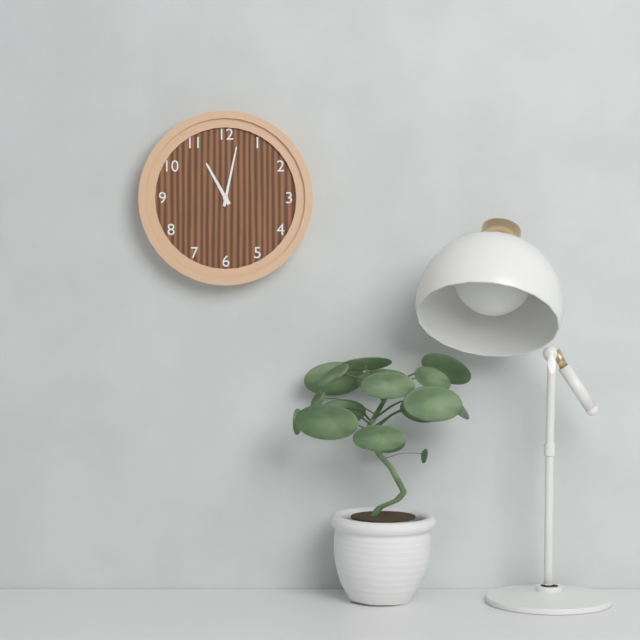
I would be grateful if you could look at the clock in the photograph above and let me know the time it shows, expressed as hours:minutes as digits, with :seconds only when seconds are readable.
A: 11:02
